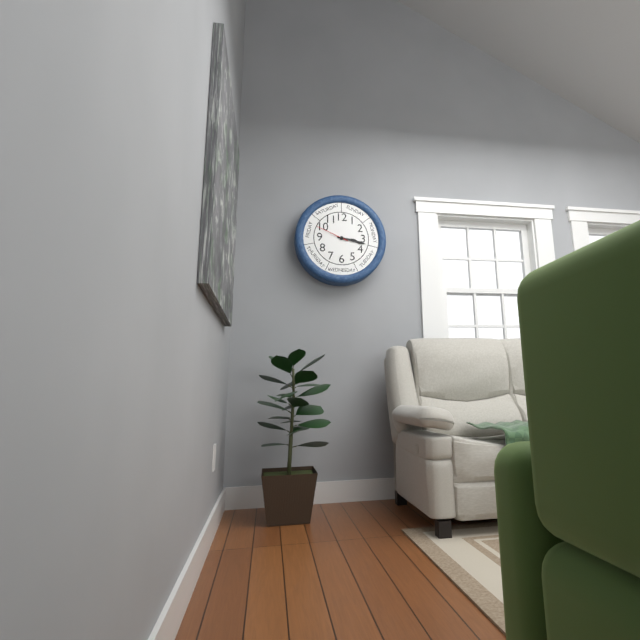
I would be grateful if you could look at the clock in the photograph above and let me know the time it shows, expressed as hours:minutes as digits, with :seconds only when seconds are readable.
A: 3:17
